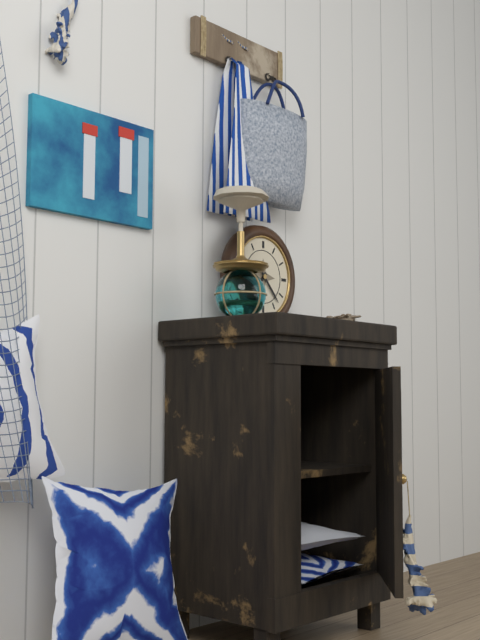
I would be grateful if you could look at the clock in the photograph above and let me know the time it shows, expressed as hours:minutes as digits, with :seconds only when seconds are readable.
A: 7:23
